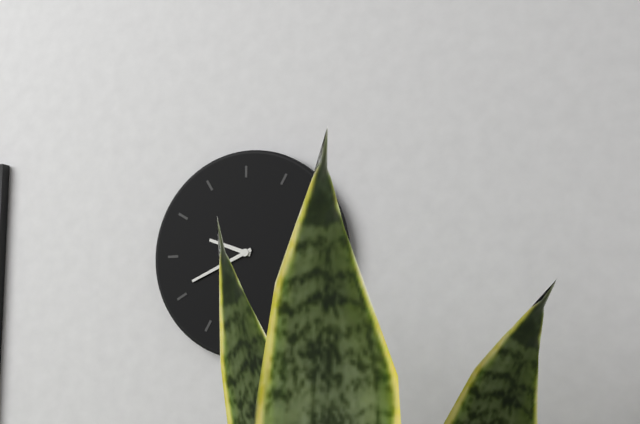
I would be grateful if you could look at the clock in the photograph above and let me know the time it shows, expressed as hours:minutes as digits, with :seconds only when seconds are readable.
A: 9:41
